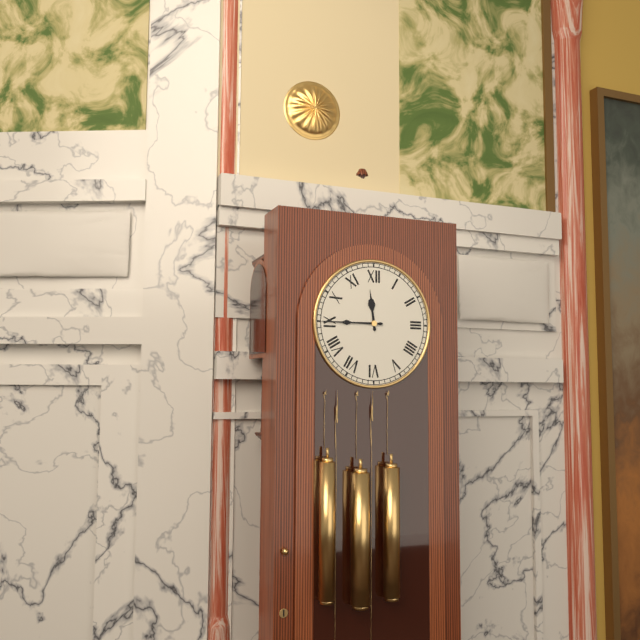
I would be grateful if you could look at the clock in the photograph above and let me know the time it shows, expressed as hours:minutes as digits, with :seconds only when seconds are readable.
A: 11:45
